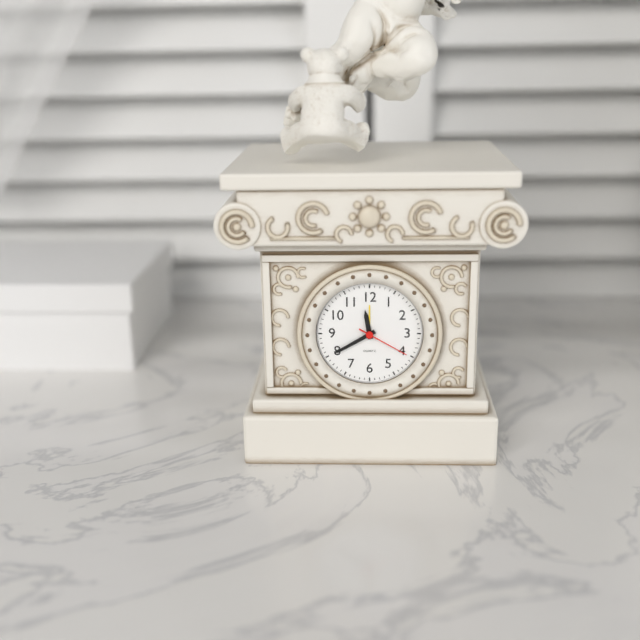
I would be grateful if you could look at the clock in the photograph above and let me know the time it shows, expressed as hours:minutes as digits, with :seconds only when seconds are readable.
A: 11:40:20
